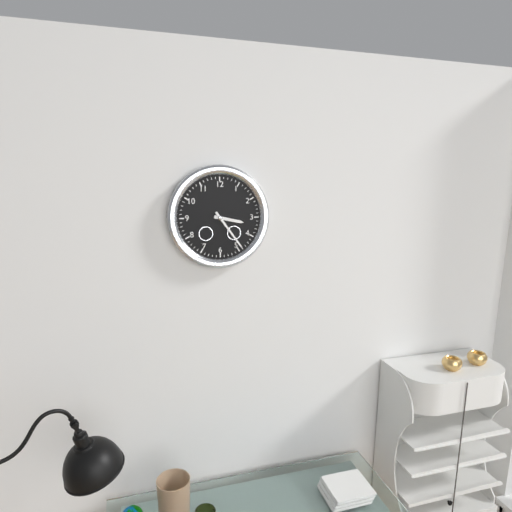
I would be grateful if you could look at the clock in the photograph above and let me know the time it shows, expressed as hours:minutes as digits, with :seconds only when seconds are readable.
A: 3:24
